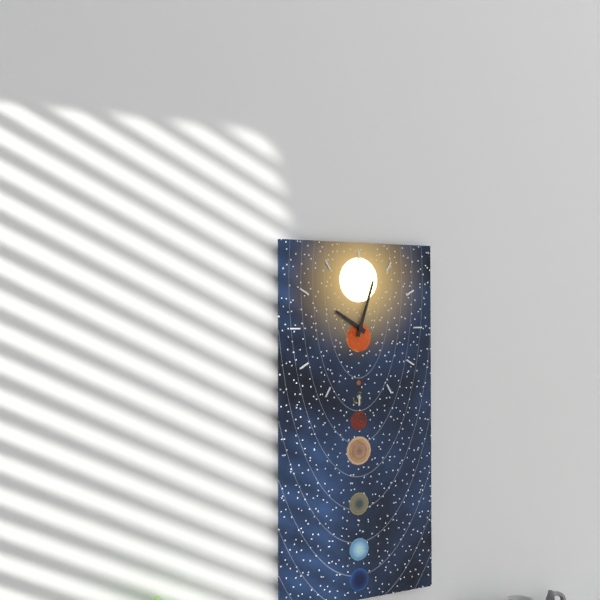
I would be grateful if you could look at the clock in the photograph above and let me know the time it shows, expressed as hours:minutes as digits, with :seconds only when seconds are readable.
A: 10:03
